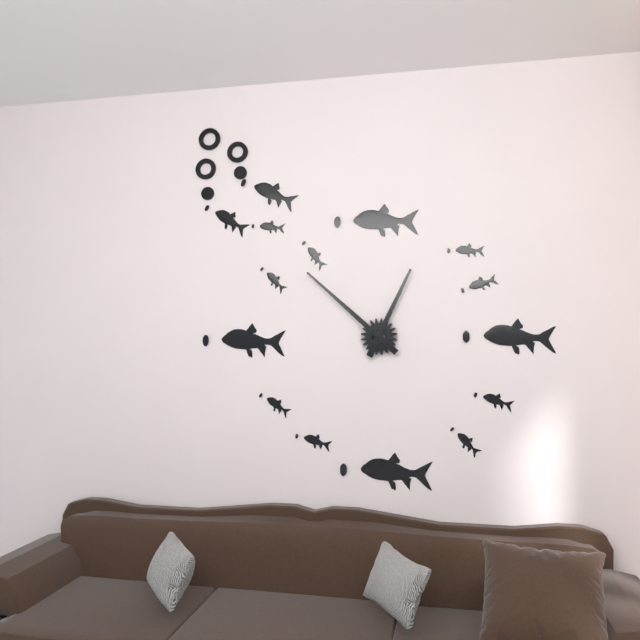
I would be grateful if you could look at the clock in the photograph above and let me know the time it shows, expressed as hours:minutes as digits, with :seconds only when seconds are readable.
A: 12:52
